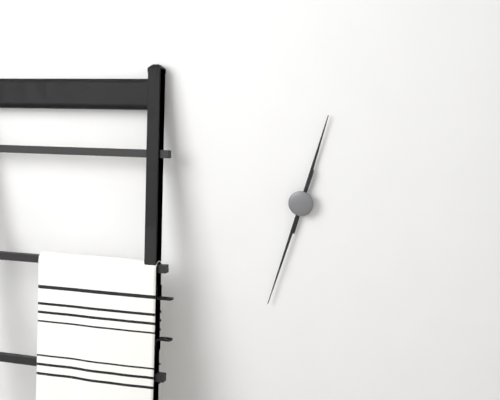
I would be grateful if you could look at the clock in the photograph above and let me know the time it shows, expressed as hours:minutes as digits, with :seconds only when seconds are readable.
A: 12:33
